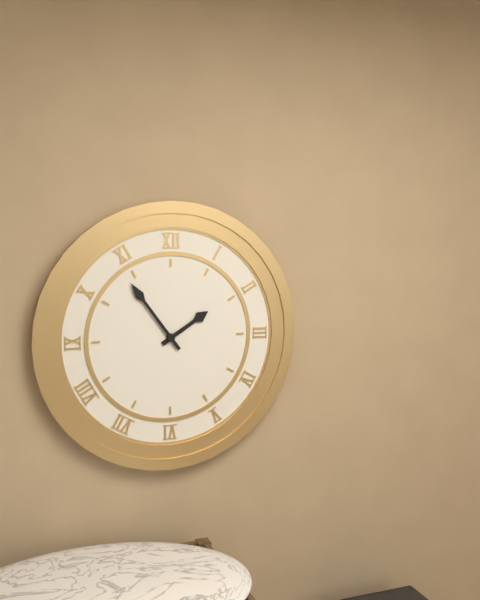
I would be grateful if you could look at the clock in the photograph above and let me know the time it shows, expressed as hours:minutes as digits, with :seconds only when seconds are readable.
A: 1:54
